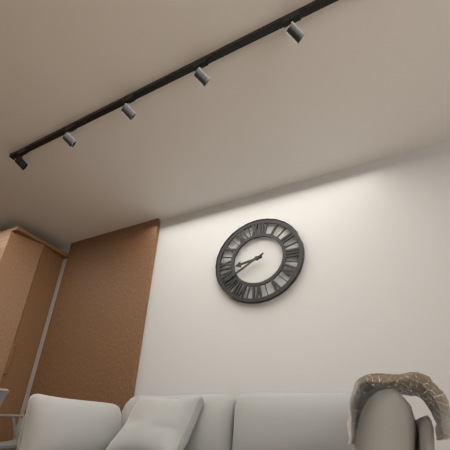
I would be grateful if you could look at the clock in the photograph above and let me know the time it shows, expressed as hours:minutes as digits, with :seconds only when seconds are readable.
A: 8:40
